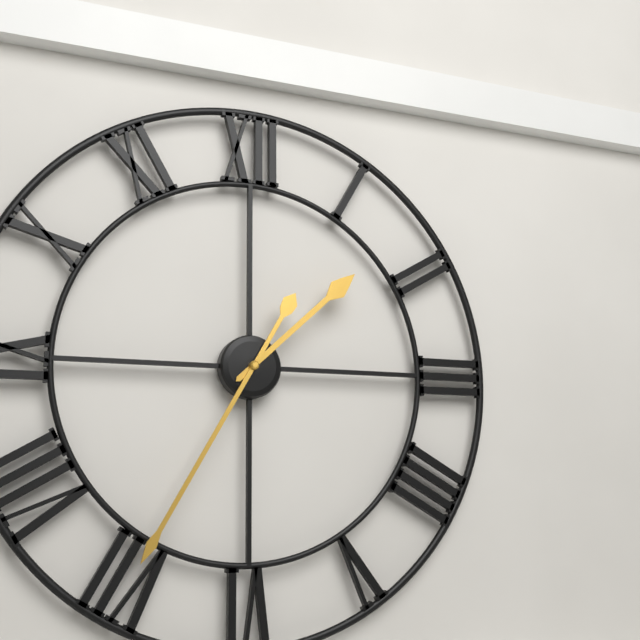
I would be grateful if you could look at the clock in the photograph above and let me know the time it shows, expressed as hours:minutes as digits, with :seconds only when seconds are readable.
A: 1:35
